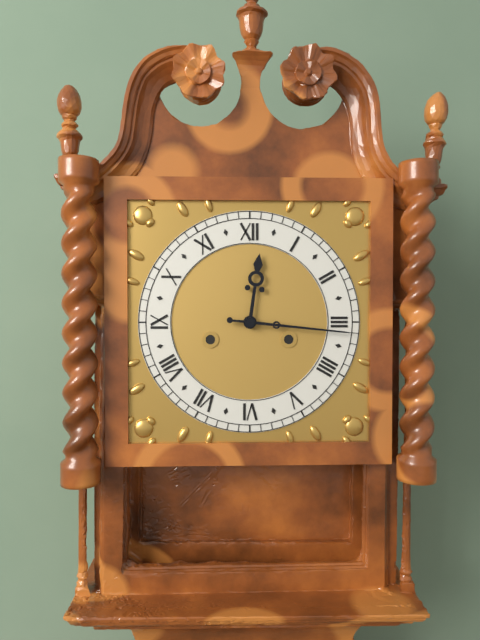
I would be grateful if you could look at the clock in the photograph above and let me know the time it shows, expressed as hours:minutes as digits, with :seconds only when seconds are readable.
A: 12:16
